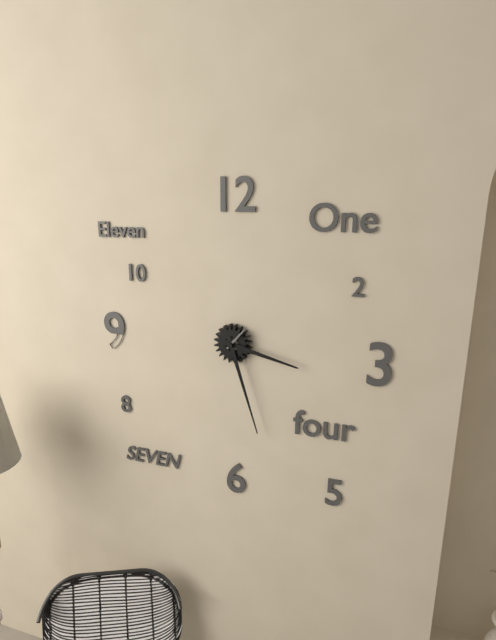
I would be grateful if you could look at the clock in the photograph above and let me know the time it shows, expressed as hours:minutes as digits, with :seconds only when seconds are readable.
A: 3:27
